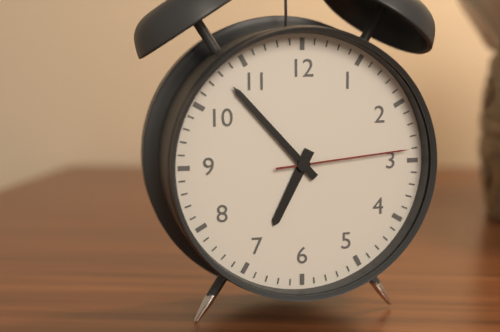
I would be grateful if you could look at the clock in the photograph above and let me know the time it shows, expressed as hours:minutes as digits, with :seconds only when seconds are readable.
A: 6:53:14
